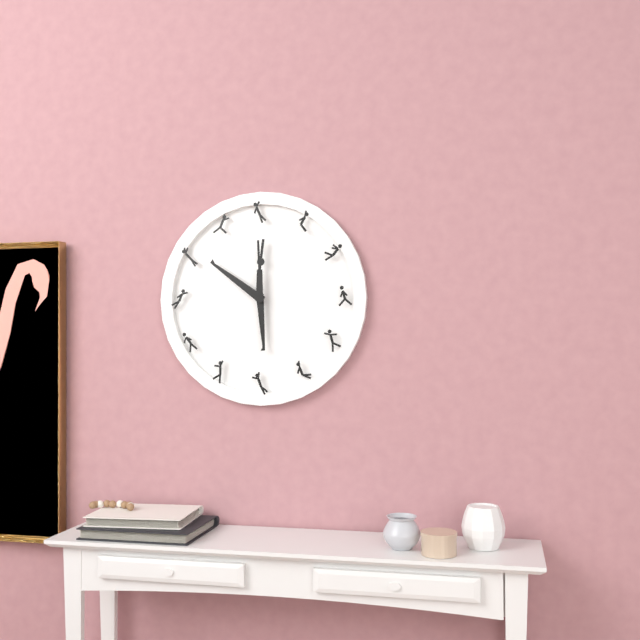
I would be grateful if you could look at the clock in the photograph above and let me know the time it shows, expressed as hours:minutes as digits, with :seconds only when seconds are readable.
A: 5:51
